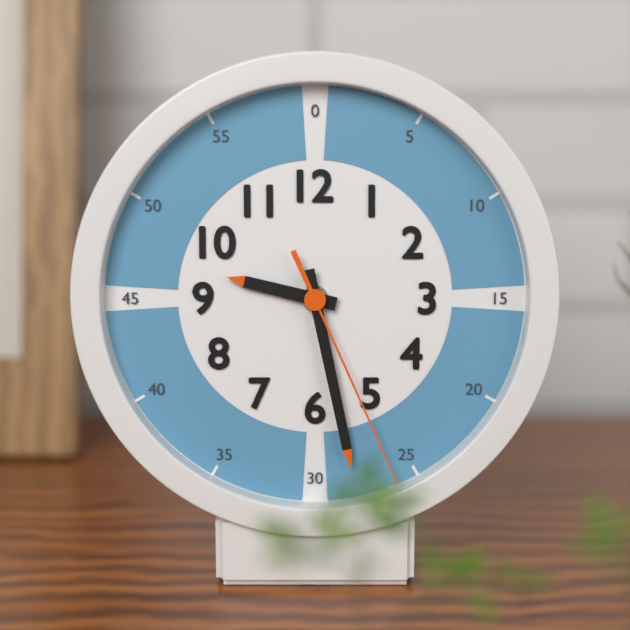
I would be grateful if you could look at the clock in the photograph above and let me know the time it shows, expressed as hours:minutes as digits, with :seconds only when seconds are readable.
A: 9:28:26
